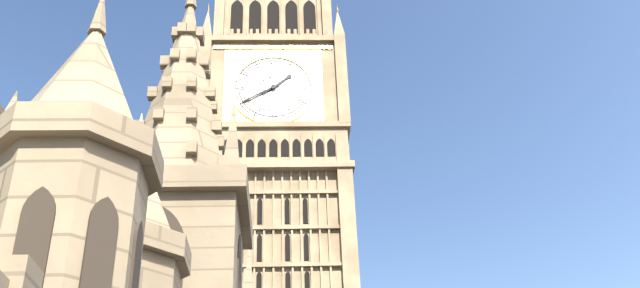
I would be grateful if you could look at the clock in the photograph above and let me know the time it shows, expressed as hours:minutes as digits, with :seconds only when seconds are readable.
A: 1:40
